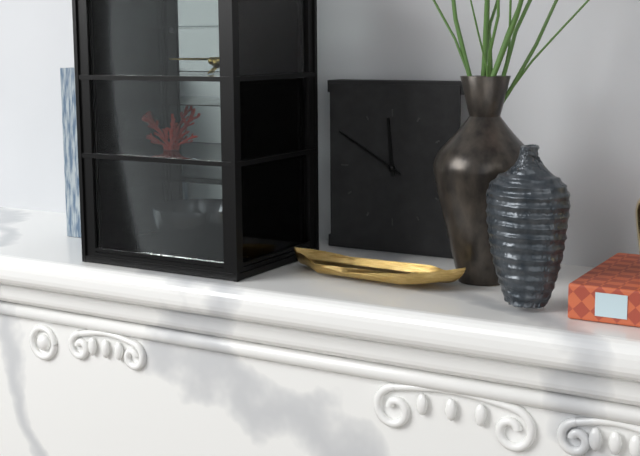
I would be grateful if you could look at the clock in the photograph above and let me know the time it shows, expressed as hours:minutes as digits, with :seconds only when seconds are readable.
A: 11:50
